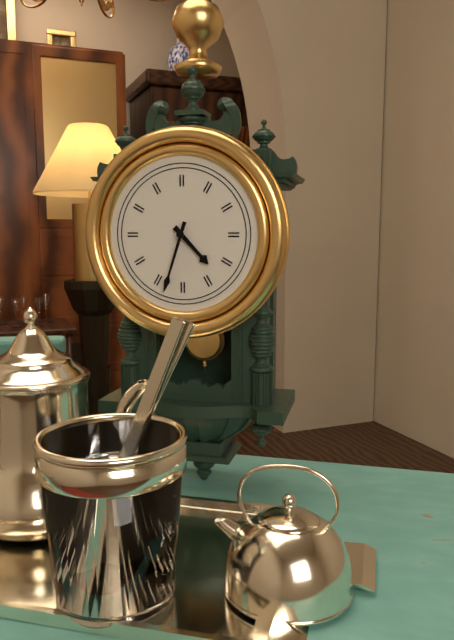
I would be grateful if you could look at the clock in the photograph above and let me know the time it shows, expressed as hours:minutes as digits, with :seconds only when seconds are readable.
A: 4:33
